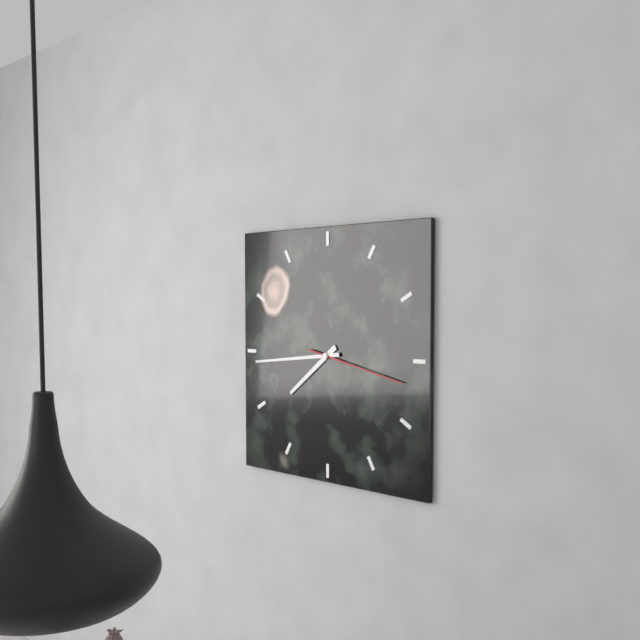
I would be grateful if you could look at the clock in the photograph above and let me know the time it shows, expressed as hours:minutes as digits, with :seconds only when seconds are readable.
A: 7:44:17
